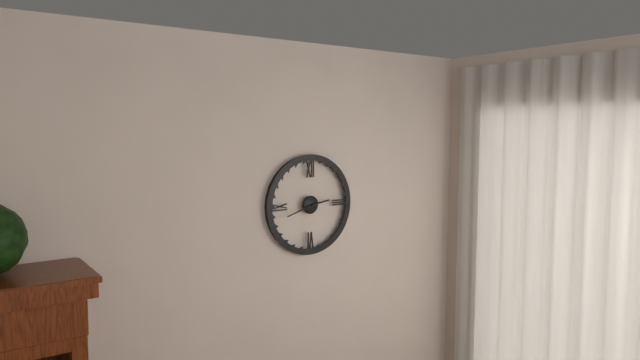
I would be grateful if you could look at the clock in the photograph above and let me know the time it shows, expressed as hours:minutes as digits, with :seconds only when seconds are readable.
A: 2:42
